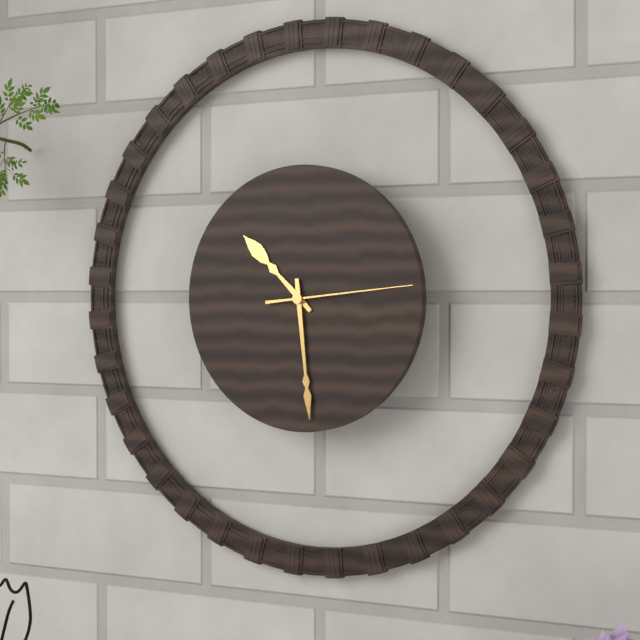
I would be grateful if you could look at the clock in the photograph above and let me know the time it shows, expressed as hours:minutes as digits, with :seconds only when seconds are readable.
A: 10:29:14
